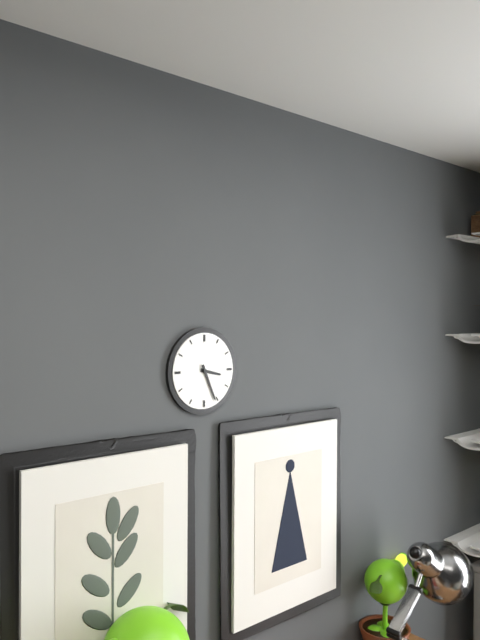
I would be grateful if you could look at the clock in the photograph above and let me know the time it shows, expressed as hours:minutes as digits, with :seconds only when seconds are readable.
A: 3:26
